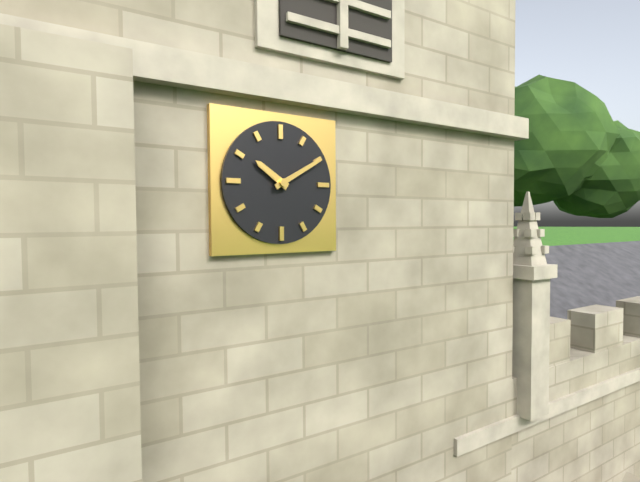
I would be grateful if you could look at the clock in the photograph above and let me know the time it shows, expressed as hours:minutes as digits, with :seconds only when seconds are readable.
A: 10:10
